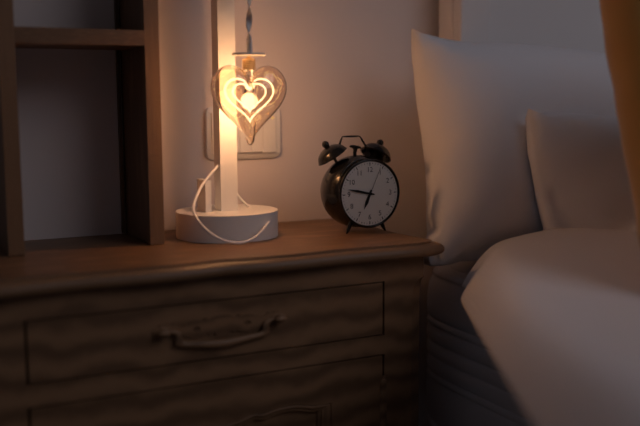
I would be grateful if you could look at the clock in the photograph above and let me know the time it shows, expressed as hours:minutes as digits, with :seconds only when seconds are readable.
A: 6:47
